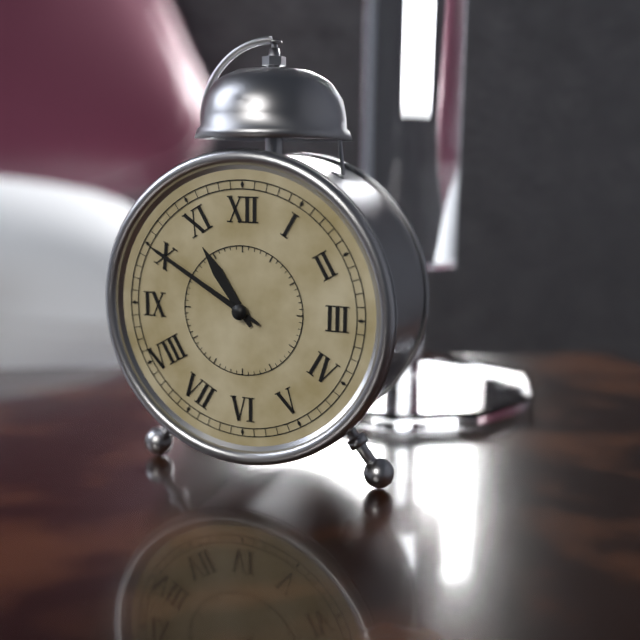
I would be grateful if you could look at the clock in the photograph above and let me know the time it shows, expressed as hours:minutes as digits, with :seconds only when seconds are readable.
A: 10:50
